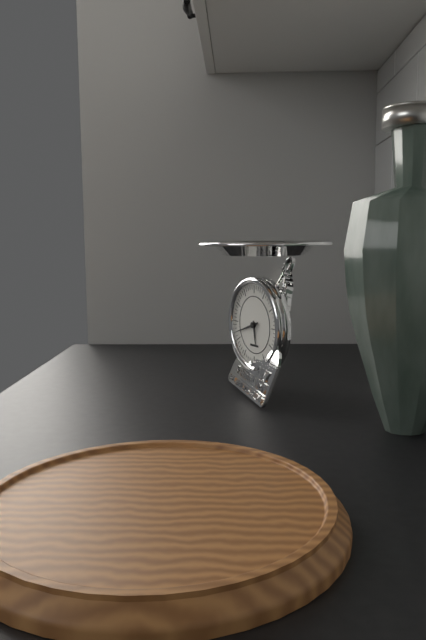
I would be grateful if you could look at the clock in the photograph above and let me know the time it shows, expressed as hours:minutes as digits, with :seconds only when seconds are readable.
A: 5:42
